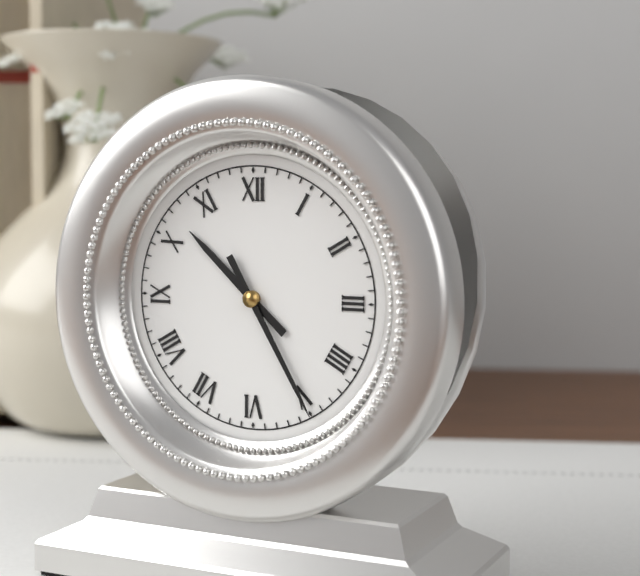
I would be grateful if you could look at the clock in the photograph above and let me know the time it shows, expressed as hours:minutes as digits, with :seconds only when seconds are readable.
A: 10:25
